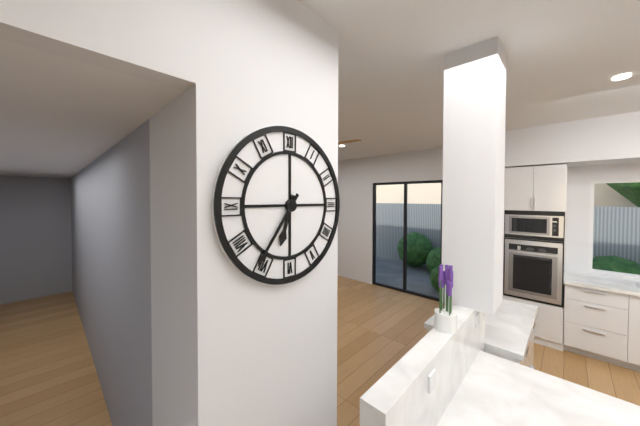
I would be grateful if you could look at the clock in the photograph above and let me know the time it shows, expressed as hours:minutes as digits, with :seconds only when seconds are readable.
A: 6:36
